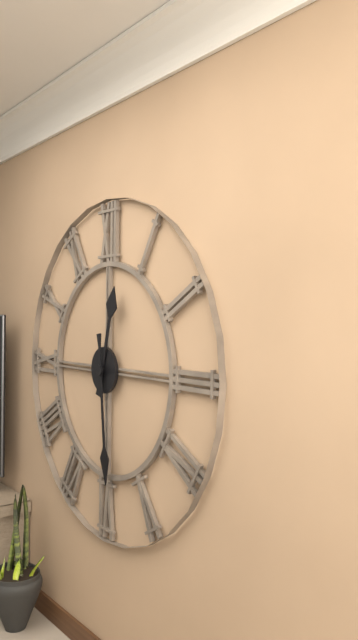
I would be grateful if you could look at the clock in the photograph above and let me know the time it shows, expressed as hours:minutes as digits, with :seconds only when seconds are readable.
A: 12:29
